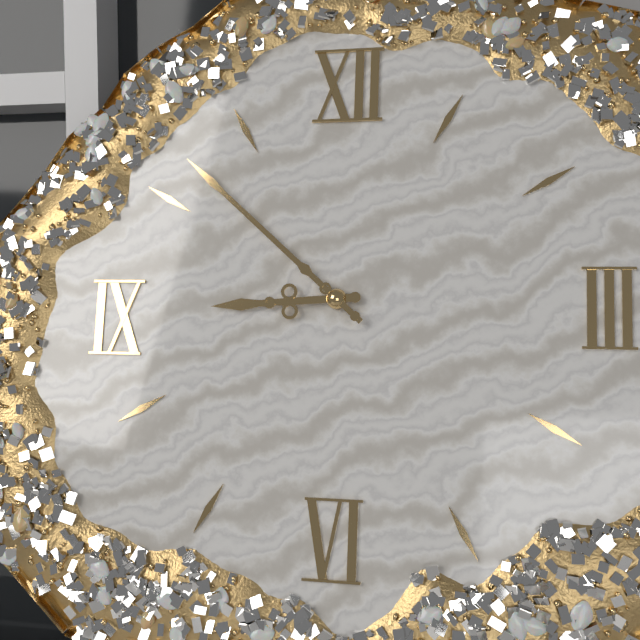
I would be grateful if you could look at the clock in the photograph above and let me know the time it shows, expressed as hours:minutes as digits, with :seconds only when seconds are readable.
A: 8:52
